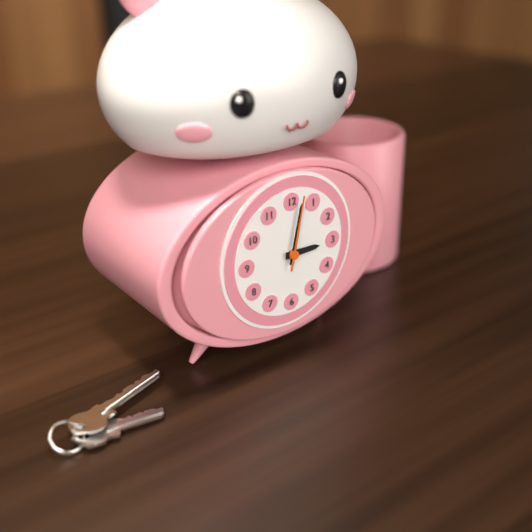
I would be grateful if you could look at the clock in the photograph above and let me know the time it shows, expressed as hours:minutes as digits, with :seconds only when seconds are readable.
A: 3:02:02
